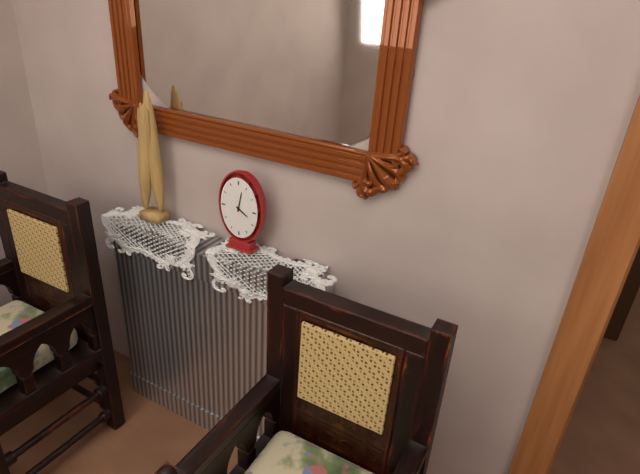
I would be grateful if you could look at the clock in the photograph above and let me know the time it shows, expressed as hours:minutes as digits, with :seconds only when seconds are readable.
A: 4:02
